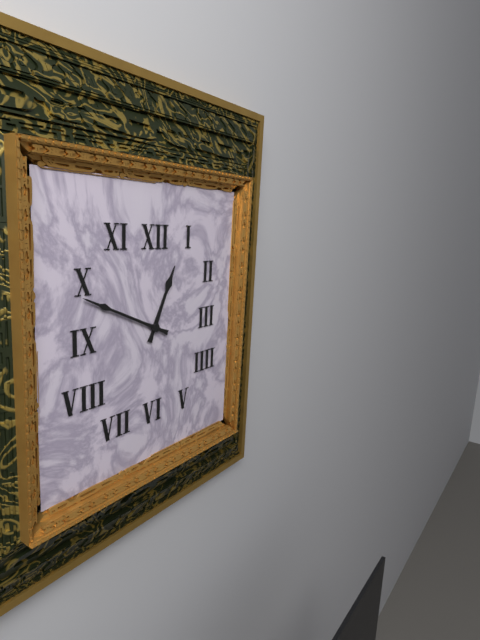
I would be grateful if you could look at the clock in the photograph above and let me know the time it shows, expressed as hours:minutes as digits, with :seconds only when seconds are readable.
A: 12:49
